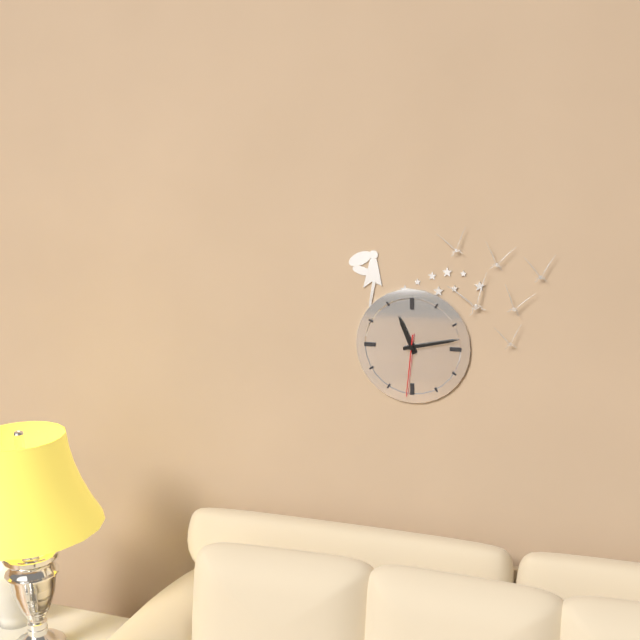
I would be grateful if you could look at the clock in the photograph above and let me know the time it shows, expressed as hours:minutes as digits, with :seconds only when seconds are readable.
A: 11:13:31
